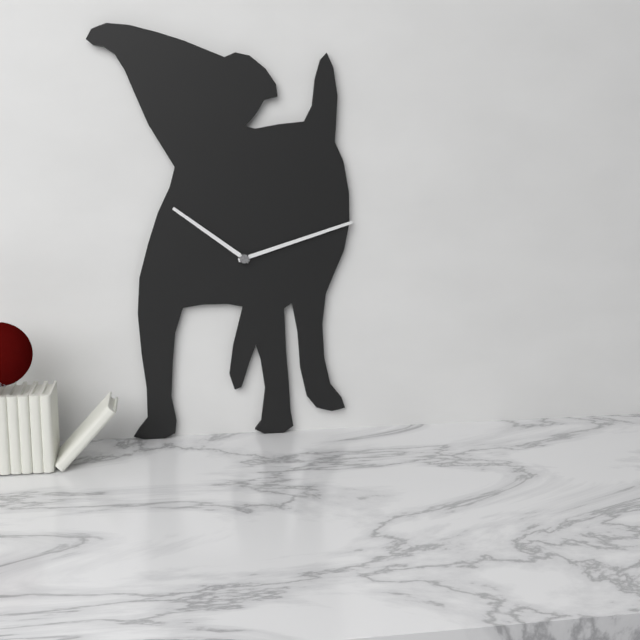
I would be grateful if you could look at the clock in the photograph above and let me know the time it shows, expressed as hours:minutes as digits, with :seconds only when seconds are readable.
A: 10:12
